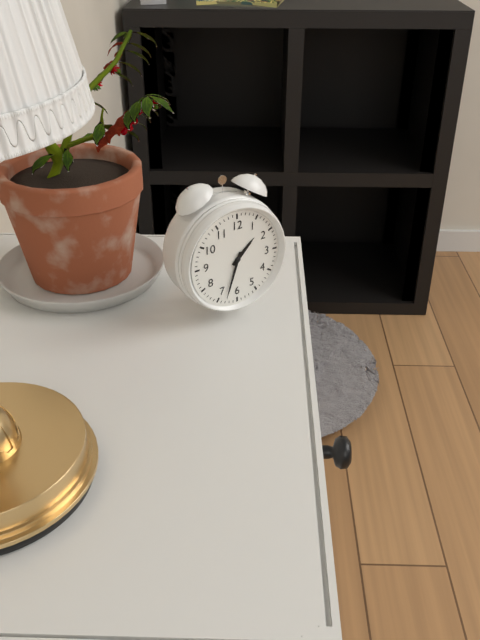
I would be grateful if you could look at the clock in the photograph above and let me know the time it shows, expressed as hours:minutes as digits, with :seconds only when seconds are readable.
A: 1:33
